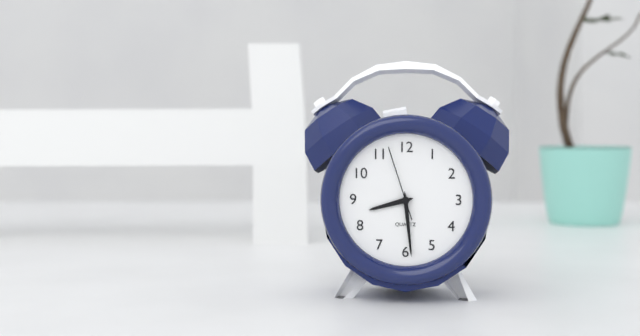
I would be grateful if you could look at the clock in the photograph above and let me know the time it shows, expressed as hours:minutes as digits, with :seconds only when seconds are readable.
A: 8:29:57
